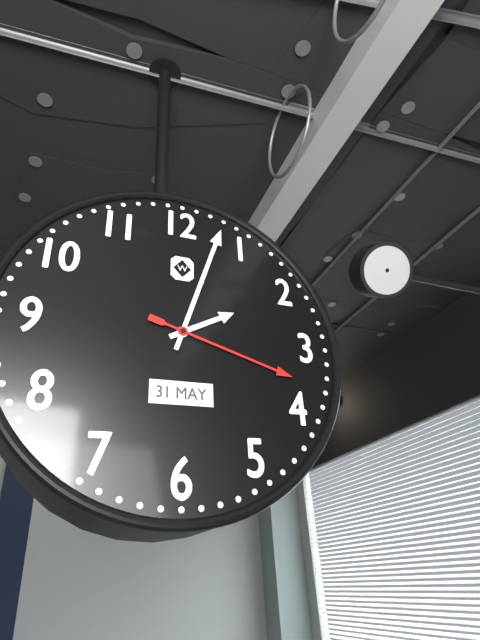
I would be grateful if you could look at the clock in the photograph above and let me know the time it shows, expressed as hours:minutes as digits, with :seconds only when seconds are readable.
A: 2:03:18
